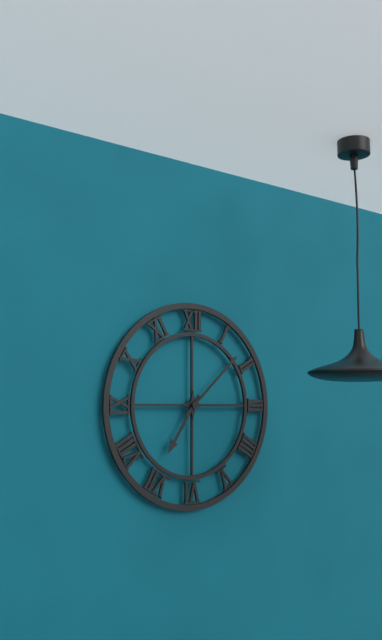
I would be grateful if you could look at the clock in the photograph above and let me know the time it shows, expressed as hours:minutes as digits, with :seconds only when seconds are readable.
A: 7:08
